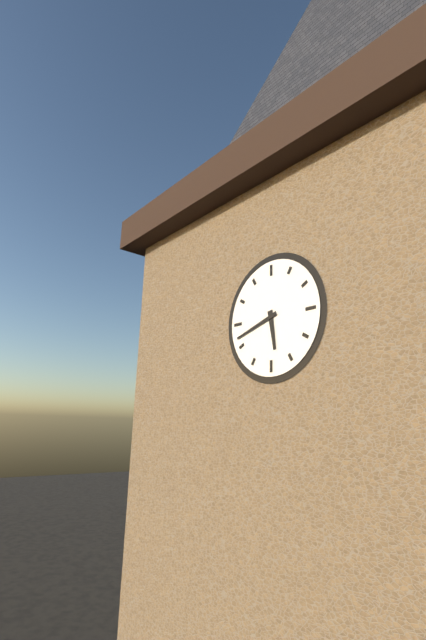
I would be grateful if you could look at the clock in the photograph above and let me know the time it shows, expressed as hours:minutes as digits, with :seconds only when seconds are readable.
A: 5:42
